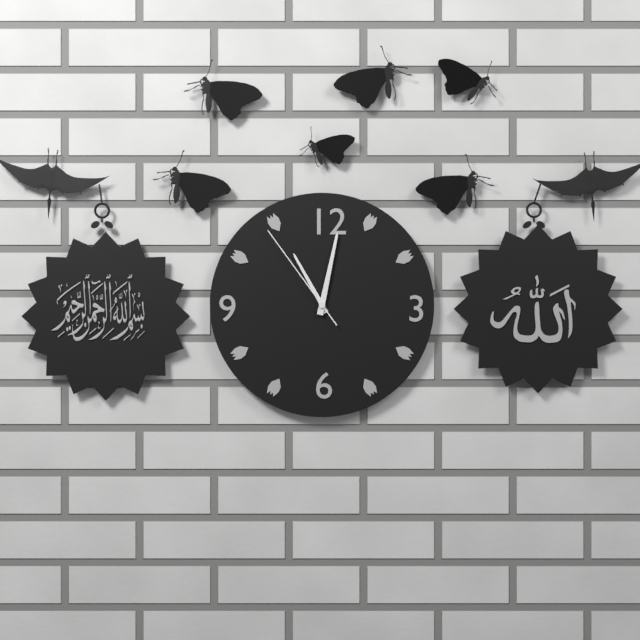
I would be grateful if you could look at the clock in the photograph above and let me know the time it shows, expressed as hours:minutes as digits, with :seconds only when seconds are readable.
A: 11:02:54
